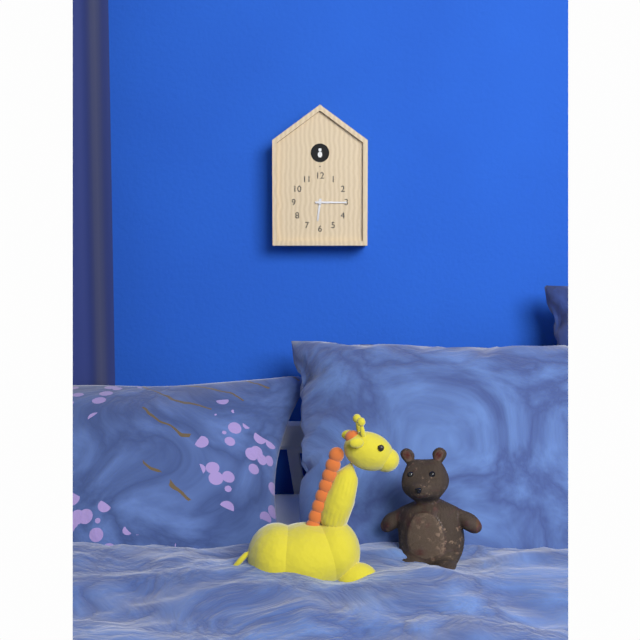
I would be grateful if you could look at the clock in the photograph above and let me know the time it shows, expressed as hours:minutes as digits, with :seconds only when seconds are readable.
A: 6:15
